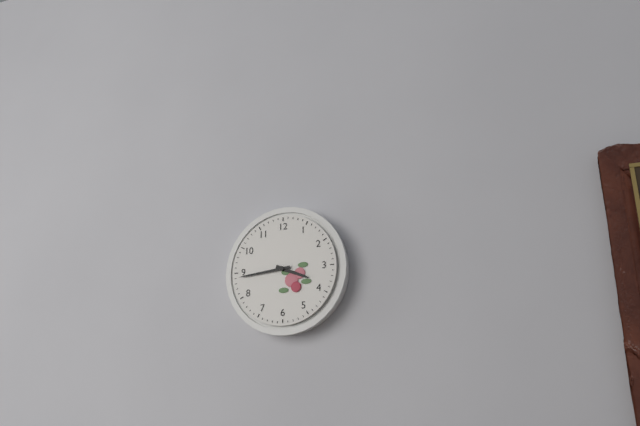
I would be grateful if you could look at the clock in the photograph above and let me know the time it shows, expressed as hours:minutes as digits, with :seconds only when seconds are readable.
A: 3:44
